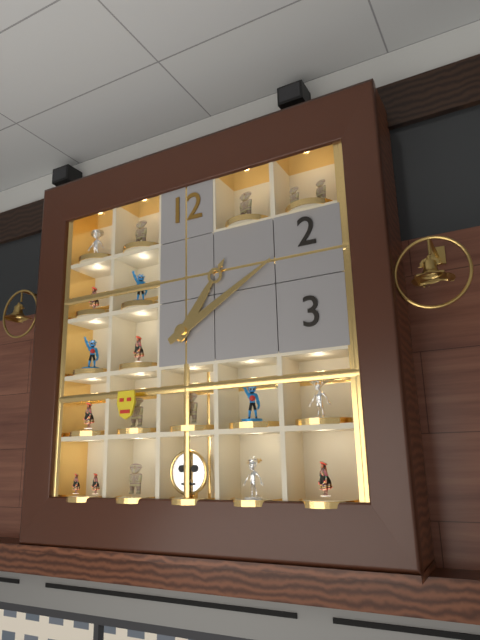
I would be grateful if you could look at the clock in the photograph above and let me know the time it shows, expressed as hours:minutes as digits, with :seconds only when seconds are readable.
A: 1:10
